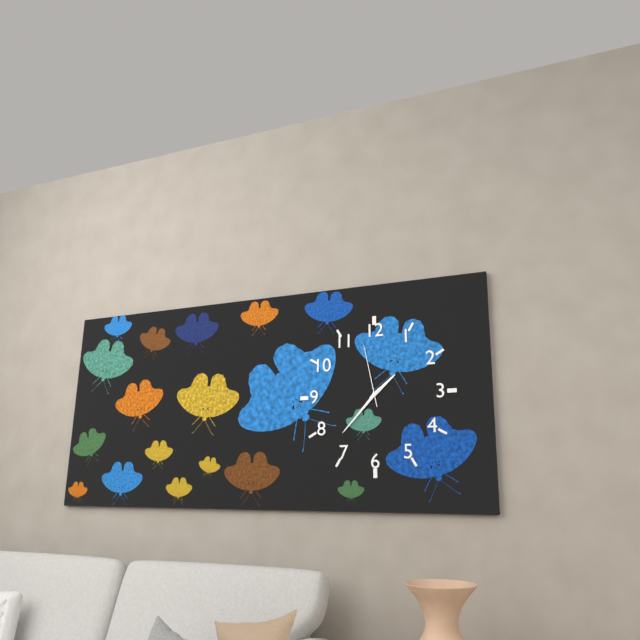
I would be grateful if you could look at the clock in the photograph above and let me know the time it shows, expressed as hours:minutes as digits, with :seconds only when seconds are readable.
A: 1:37:58
